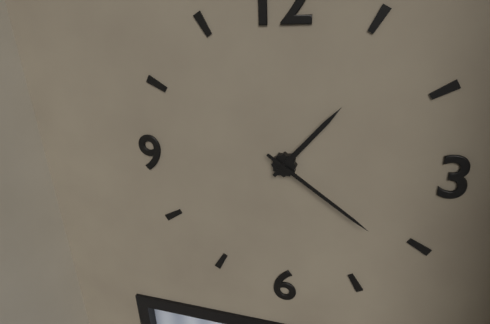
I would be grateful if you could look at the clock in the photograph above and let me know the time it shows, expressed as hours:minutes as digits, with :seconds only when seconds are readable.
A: 1:21
